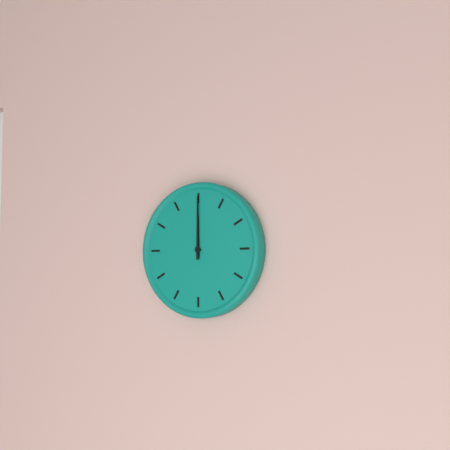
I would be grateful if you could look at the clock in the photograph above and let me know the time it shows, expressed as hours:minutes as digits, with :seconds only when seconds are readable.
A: 12:00
